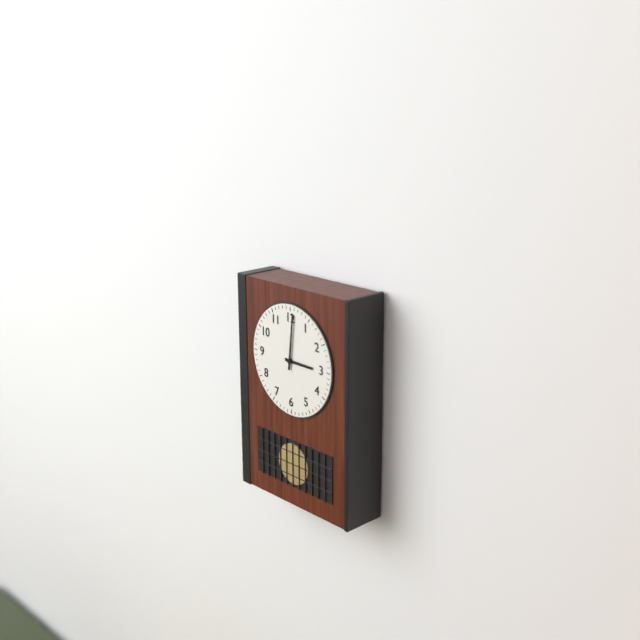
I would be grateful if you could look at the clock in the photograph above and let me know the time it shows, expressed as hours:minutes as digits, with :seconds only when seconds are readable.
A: 3:01
